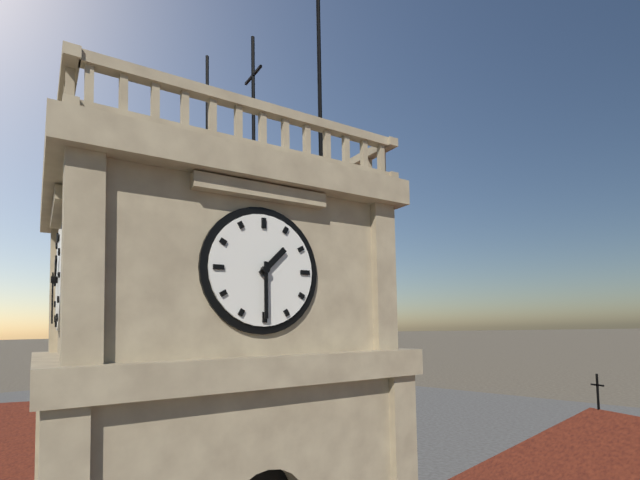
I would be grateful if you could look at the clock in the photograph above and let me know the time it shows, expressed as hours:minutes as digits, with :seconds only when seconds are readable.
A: 1:30
